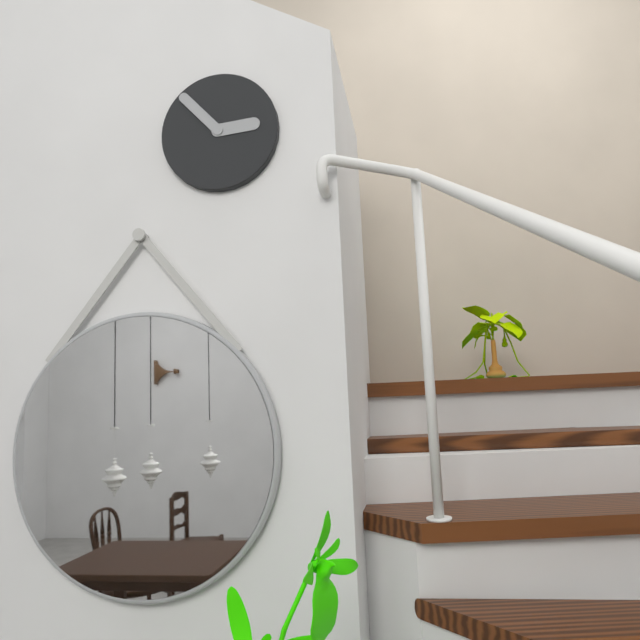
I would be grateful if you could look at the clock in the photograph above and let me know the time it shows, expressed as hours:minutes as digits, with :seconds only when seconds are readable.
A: 2:53
